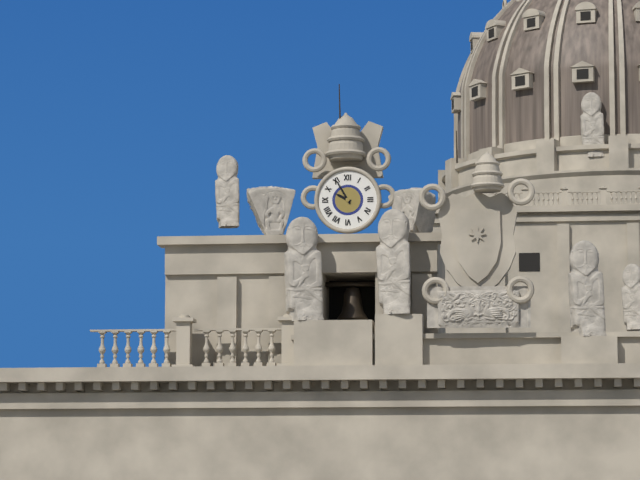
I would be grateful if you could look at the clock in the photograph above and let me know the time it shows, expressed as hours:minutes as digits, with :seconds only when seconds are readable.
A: 9:55
